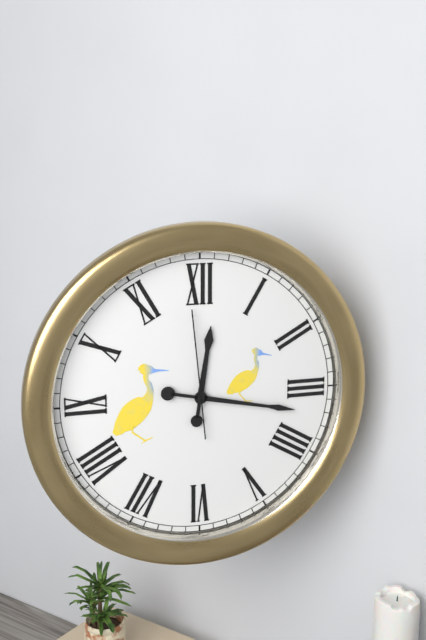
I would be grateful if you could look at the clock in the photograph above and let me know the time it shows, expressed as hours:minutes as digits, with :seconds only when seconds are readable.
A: 12:17:59
